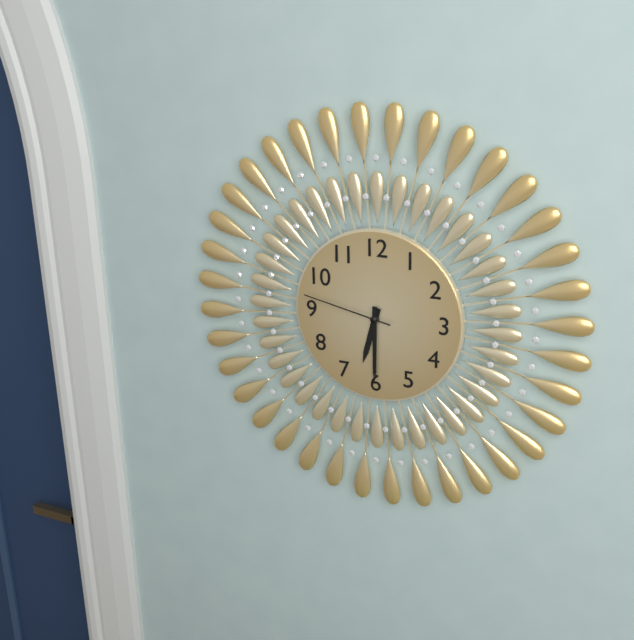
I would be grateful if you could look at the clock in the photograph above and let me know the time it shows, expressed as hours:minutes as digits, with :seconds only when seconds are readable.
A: 6:30:47
